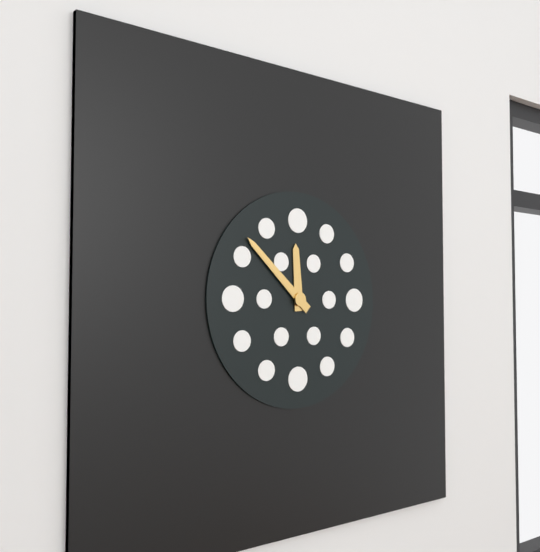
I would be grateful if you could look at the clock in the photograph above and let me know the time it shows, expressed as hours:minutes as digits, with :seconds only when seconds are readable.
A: 11:52
